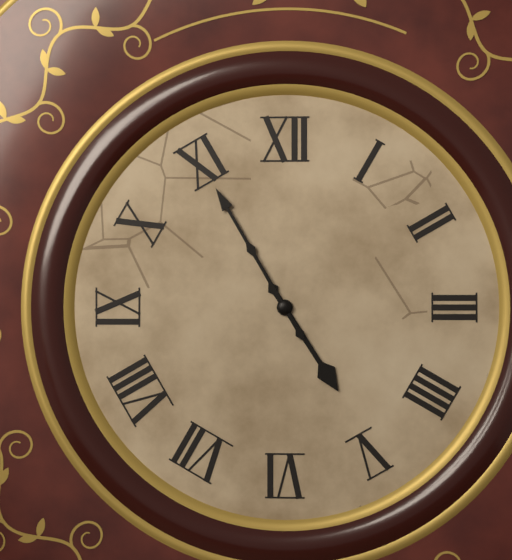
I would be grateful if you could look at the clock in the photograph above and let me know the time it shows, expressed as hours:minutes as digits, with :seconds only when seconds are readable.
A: 4:55
